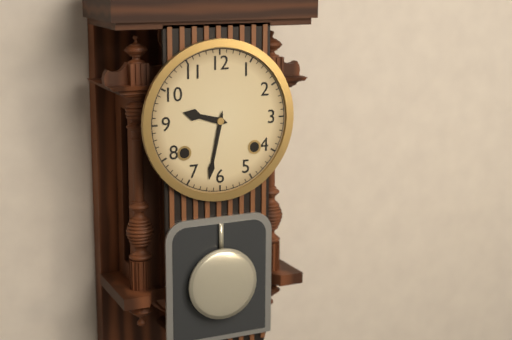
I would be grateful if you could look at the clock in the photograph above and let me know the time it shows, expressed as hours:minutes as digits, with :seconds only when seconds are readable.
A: 9:32
